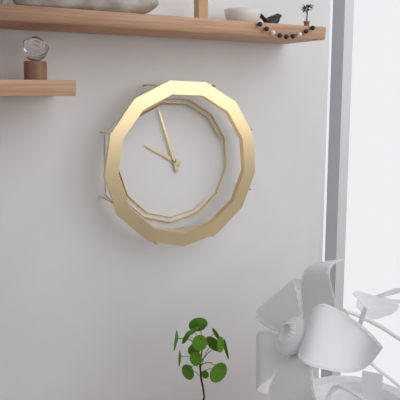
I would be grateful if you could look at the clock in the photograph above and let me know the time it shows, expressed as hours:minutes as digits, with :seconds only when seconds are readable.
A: 9:57
